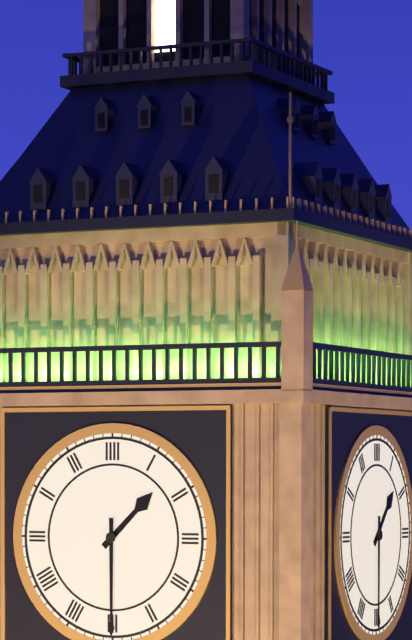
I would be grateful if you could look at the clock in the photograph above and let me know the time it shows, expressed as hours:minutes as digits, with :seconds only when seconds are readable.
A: 1:30
